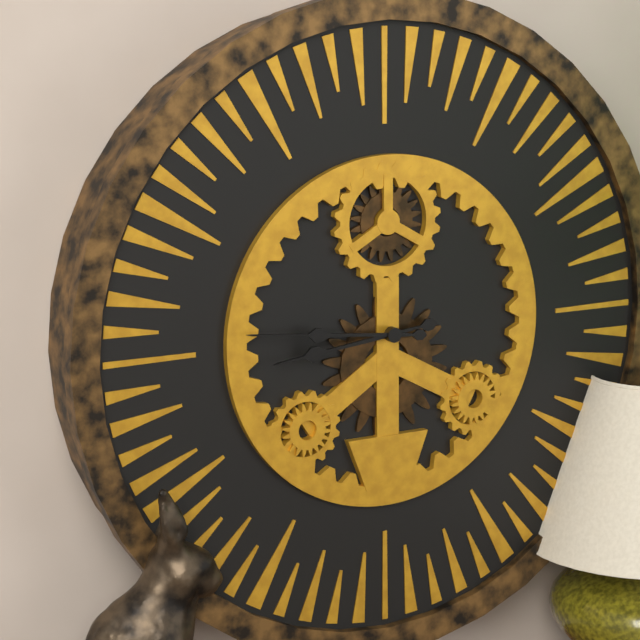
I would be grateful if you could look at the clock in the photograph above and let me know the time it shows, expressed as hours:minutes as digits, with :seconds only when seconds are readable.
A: 8:46
